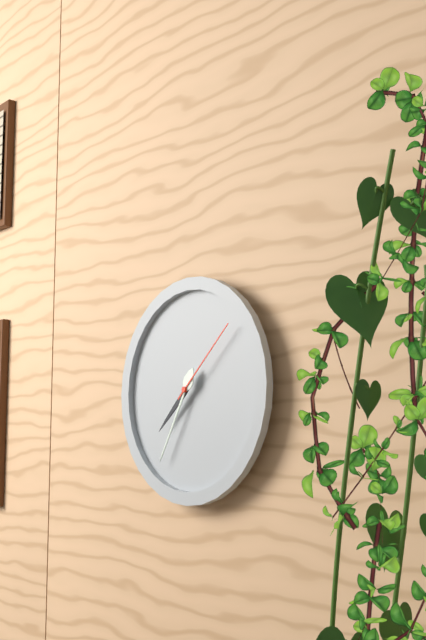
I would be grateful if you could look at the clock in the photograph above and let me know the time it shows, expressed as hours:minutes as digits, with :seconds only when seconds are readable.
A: 7:35:08
